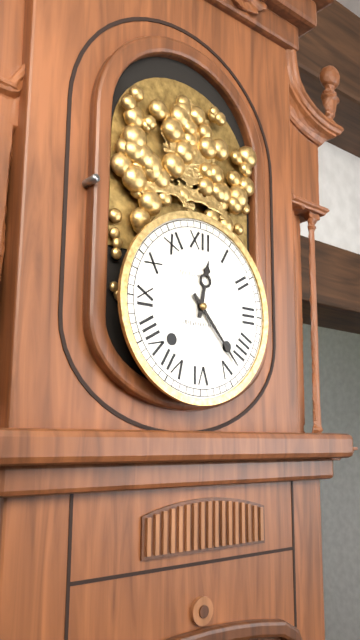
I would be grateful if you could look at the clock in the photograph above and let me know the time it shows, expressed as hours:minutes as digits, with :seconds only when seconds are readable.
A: 12:23
